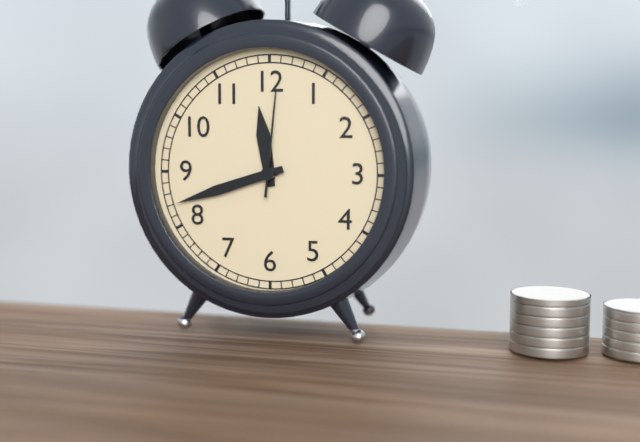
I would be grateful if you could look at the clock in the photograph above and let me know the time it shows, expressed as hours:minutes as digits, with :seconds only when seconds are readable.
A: 11:42:01
